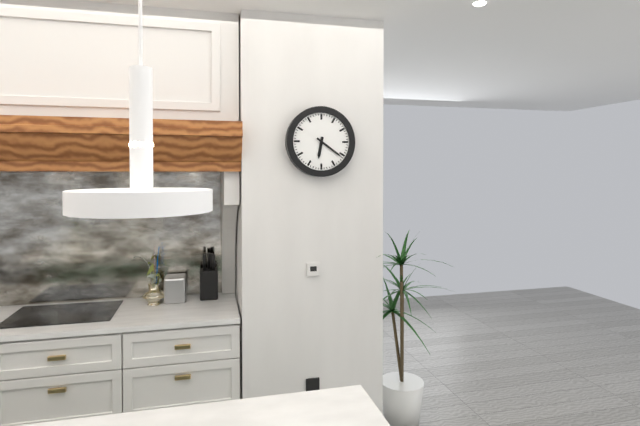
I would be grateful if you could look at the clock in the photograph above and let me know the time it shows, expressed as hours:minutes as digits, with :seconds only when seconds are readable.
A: 6:21
